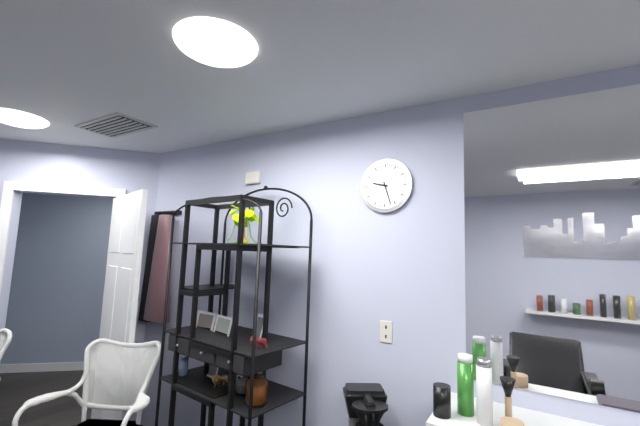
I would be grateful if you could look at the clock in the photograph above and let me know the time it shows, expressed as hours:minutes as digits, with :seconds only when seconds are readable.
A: 9:27
